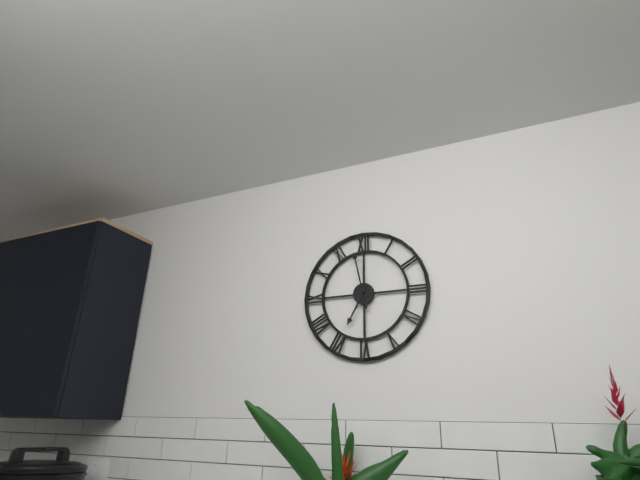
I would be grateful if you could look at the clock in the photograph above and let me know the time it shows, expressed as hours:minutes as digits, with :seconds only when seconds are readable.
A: 6:58
